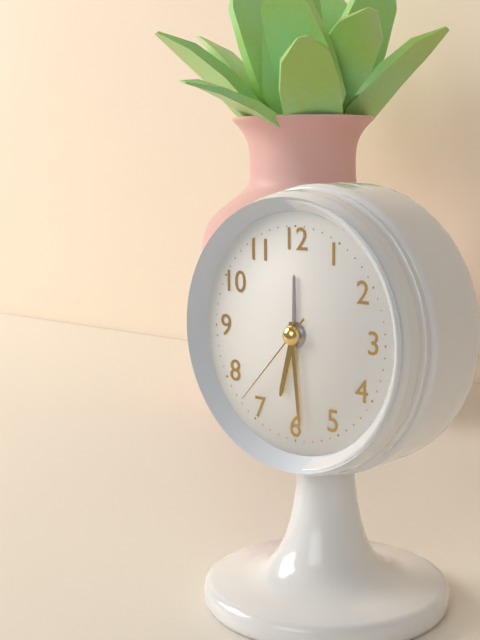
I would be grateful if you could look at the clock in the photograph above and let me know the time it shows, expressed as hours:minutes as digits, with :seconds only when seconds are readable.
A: 6:29:37
